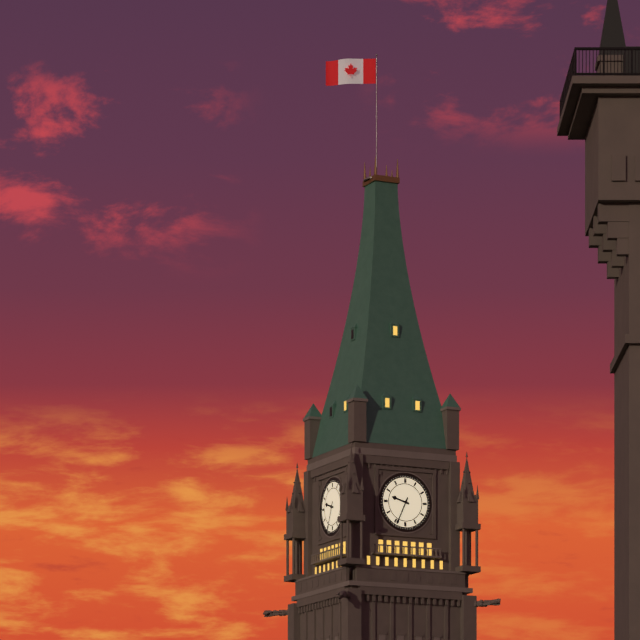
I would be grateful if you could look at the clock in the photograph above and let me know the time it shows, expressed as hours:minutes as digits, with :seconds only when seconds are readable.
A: 9:34
